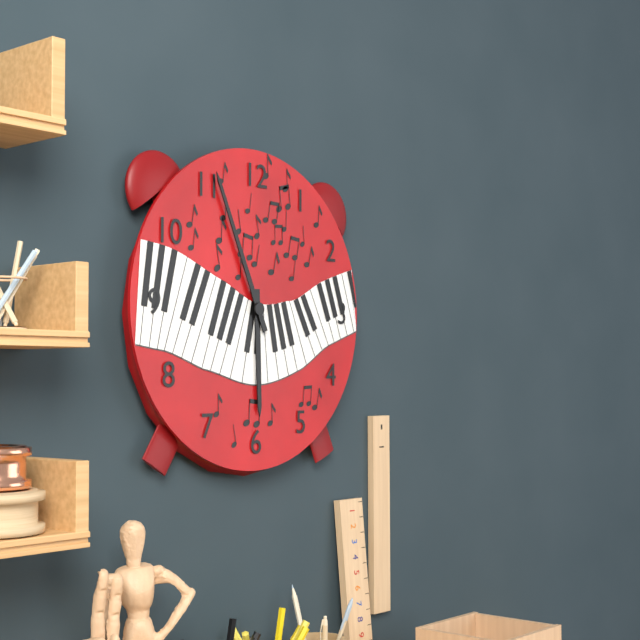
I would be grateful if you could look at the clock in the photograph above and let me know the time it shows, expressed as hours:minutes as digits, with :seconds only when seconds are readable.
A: 5:56
